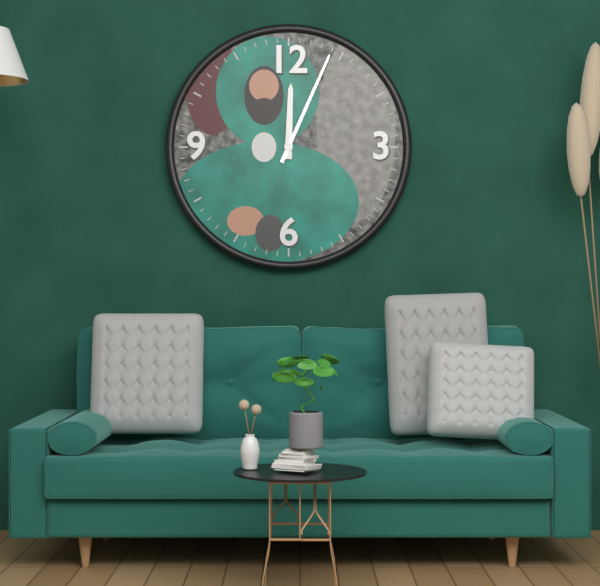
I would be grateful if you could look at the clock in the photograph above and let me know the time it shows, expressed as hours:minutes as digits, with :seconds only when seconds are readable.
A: 12:04
